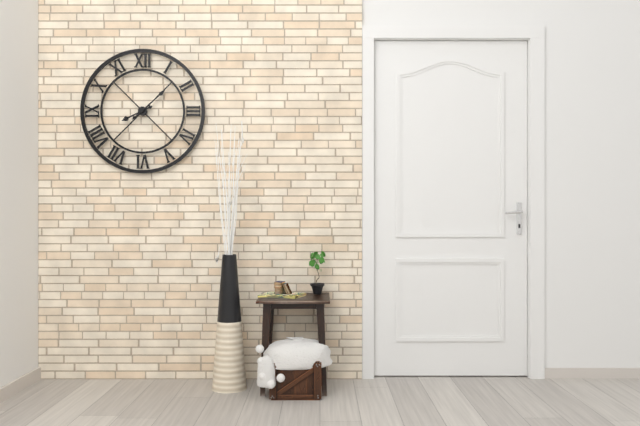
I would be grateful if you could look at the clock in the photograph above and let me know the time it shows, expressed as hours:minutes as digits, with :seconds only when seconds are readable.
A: 8:08
